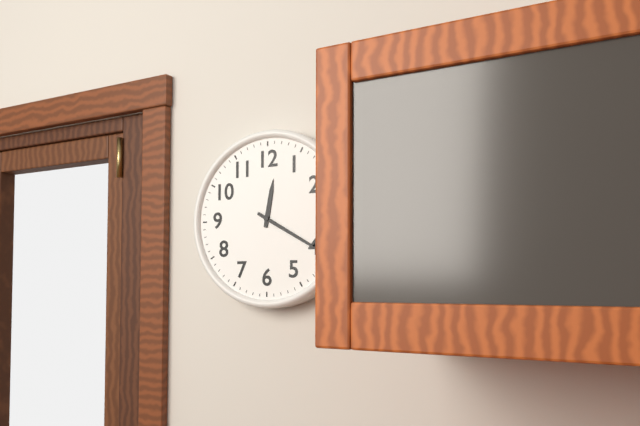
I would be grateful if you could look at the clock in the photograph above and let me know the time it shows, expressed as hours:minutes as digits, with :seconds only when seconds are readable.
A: 12:20
